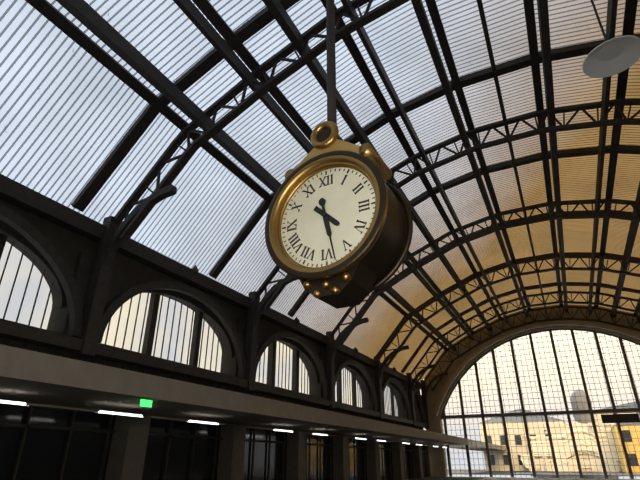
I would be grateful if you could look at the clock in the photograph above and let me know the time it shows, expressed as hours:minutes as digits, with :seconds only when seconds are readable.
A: 4:28
